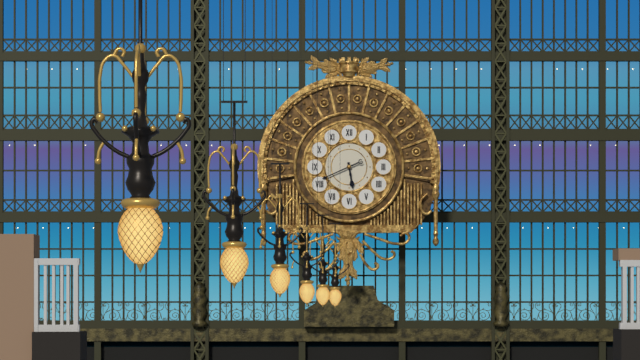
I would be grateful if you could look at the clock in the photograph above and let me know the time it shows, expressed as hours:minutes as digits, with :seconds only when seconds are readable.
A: 5:41
